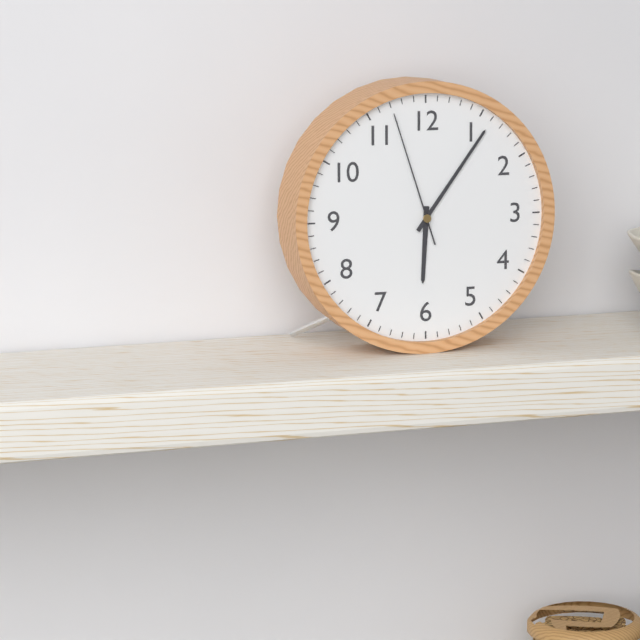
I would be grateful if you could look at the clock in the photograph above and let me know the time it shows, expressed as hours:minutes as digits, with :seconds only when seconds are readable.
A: 6:06:57
